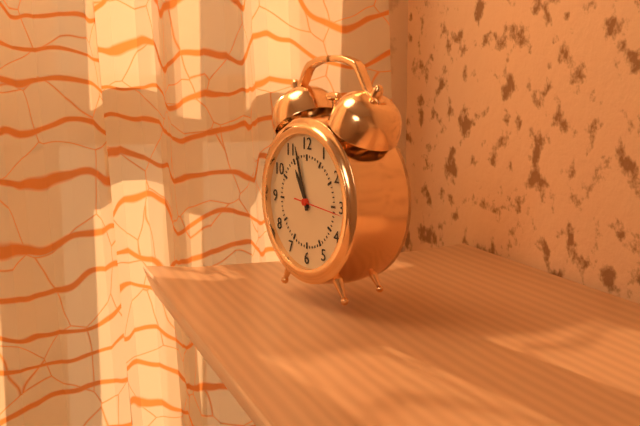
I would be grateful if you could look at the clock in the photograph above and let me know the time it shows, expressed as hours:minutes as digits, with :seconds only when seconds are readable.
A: 10:57
